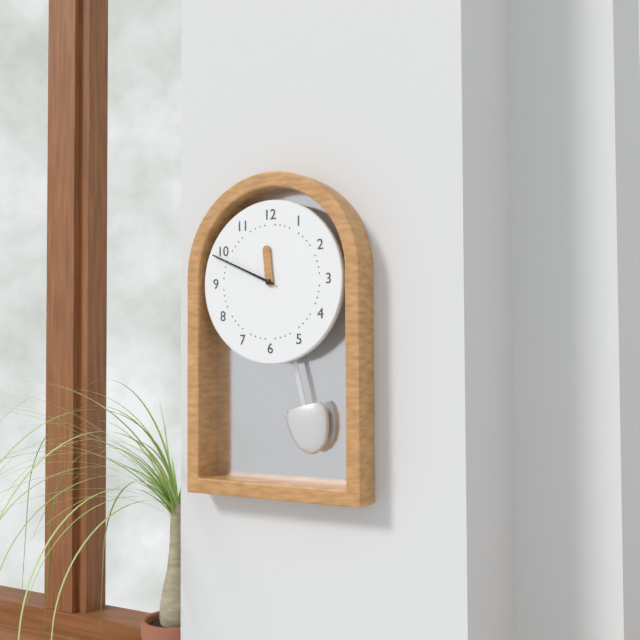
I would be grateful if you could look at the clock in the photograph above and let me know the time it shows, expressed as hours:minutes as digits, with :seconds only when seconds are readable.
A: 11:49
